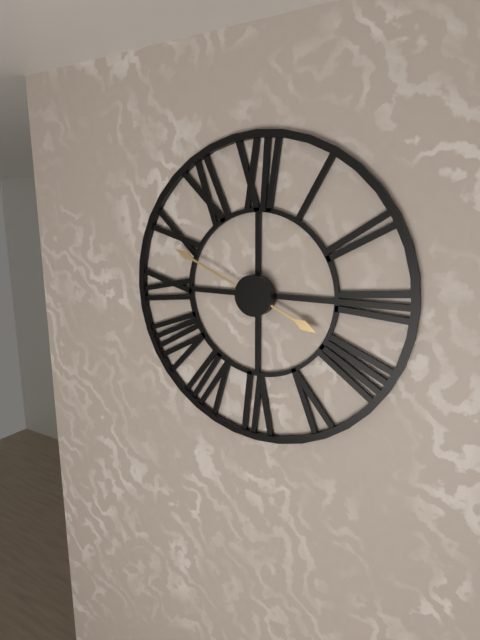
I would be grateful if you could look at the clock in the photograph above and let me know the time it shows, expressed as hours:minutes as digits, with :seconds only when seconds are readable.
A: 3:49
